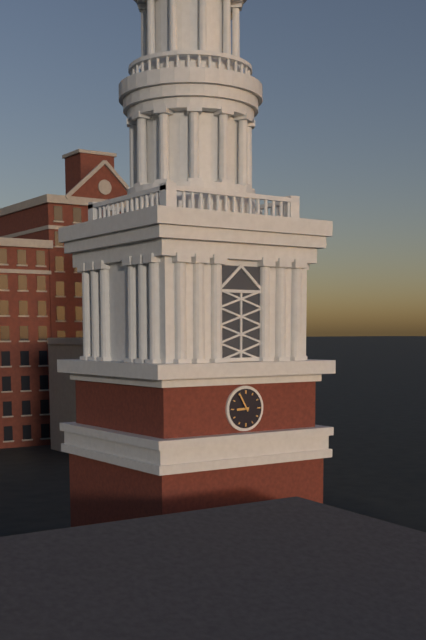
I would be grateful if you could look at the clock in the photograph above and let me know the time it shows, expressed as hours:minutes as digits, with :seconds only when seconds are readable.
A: 8:55
